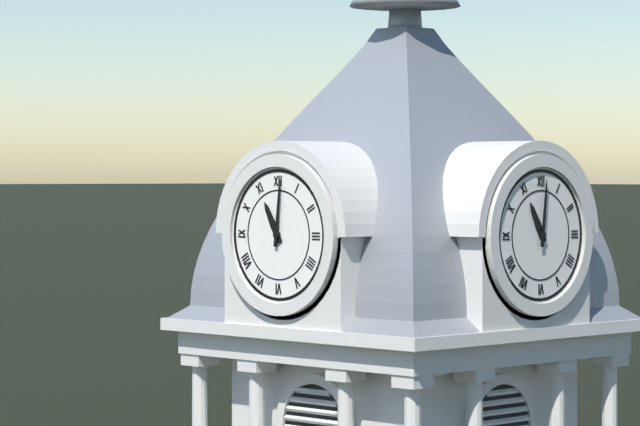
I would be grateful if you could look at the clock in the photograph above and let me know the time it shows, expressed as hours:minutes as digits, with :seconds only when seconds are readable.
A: 11:01
